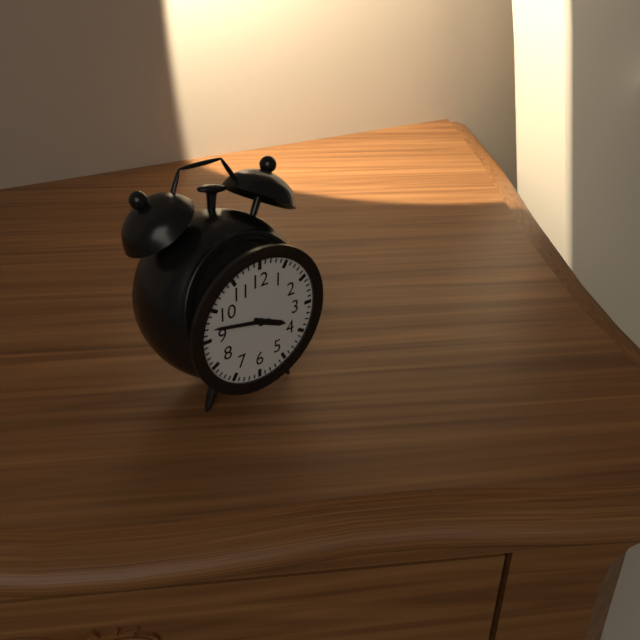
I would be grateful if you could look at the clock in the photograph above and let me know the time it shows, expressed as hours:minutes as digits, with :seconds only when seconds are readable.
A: 3:47
